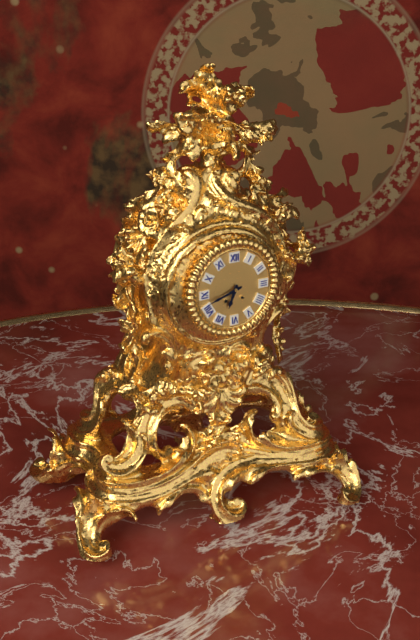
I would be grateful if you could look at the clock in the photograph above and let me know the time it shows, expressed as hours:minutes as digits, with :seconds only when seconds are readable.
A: 6:42
